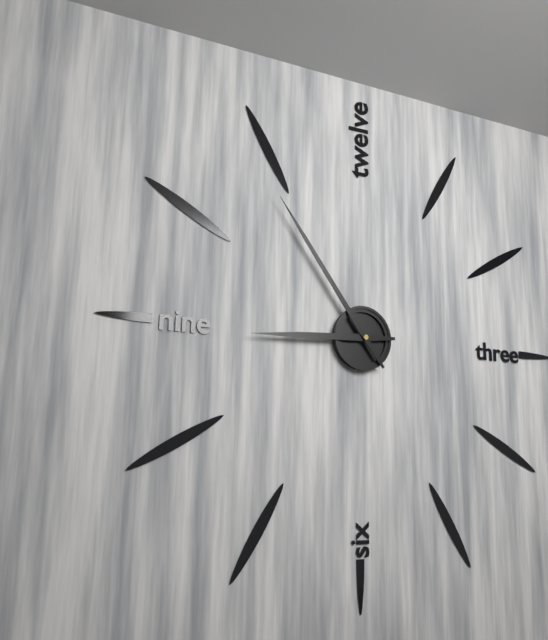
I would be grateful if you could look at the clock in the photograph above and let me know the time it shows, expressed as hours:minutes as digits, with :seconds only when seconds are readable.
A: 8:54
